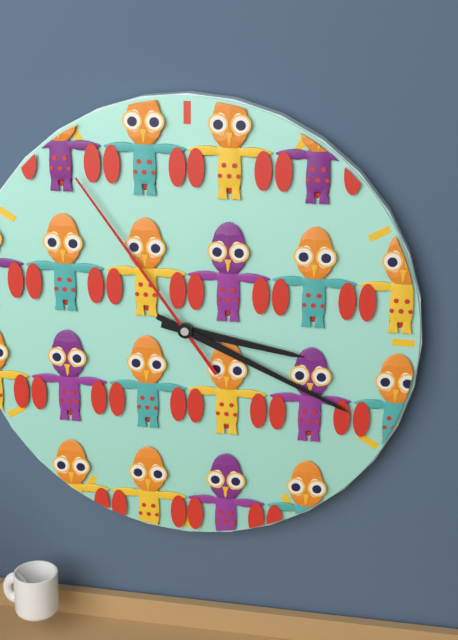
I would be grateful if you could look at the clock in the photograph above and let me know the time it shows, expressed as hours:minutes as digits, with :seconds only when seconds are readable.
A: 3:19:54
